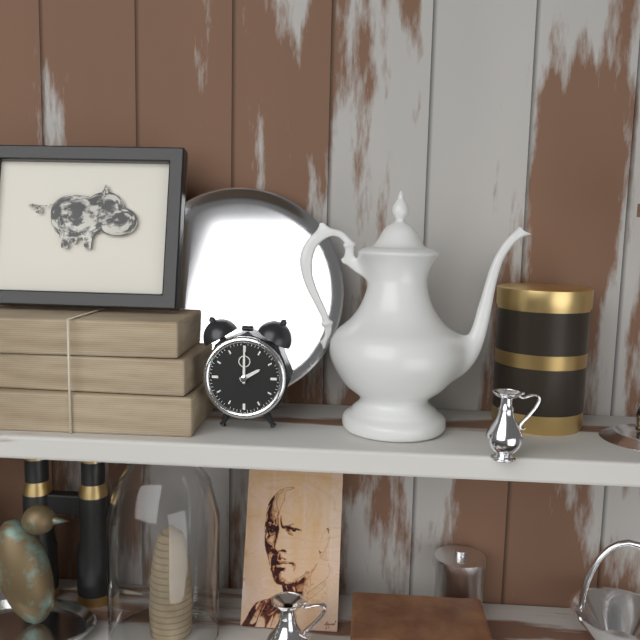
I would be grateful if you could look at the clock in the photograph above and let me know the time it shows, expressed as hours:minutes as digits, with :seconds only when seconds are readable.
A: 2:00
